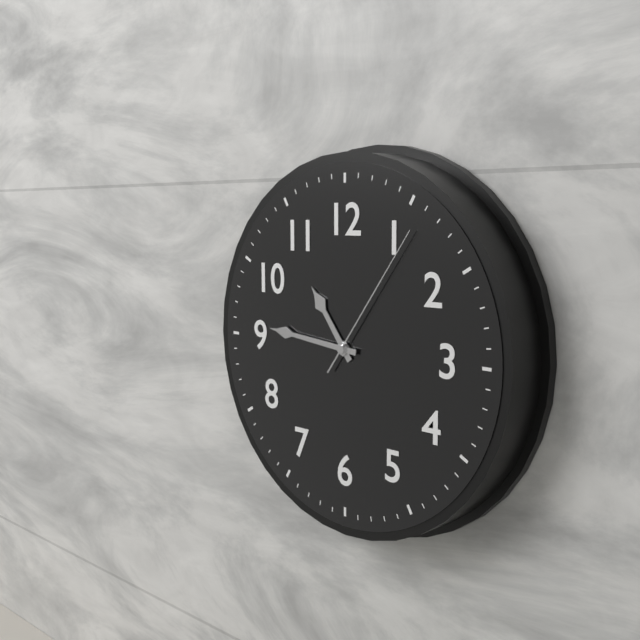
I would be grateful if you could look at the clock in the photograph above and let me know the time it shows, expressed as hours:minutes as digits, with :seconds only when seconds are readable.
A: 10:46:06
